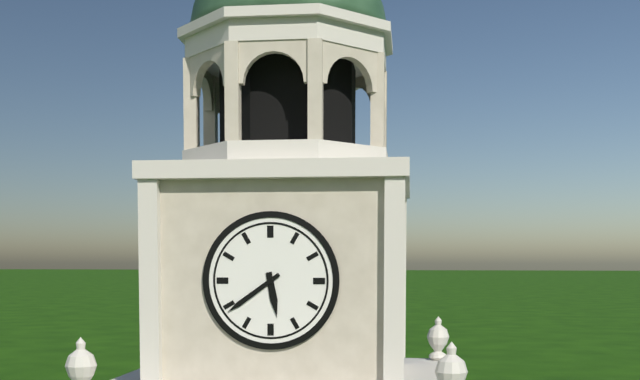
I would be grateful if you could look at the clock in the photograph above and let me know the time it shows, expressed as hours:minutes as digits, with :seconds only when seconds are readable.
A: 5:39
